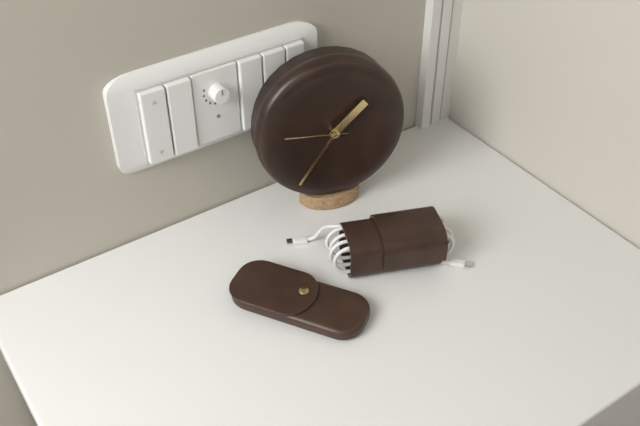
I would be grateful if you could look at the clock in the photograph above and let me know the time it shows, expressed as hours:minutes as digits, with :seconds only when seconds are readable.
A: 1:36:46
